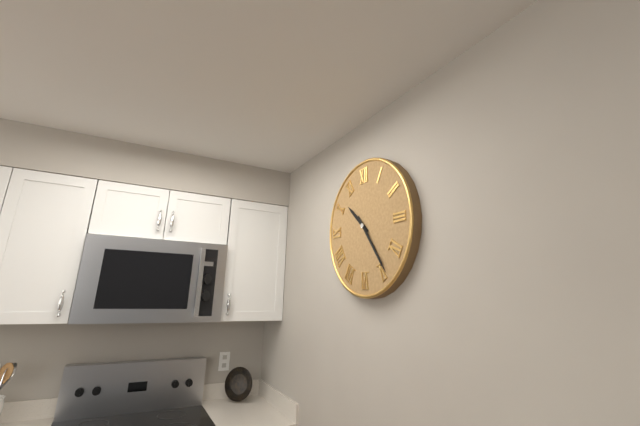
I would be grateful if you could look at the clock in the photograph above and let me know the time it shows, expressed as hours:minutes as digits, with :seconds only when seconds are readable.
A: 10:24
